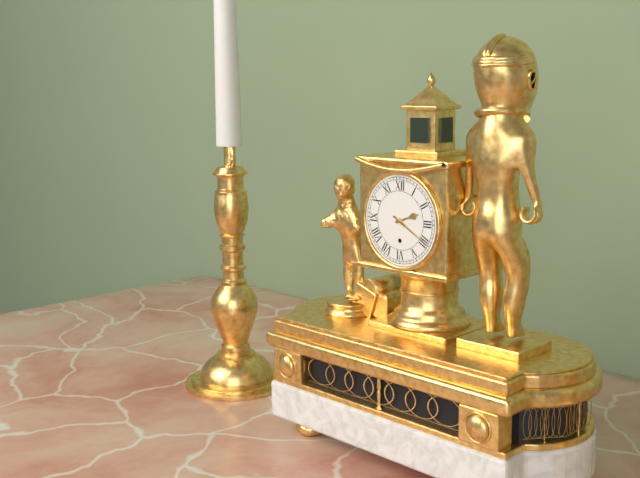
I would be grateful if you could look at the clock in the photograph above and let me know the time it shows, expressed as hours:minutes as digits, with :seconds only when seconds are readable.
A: 2:20
